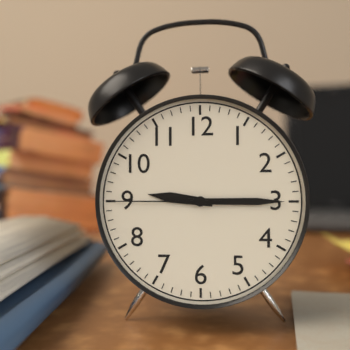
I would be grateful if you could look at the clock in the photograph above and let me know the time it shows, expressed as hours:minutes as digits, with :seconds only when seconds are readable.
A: 9:15:45
